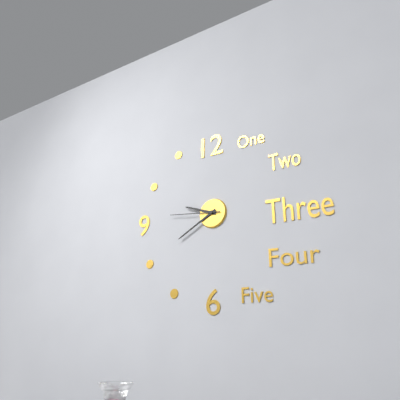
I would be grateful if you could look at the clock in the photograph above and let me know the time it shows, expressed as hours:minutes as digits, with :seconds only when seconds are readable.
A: 9:40:46
